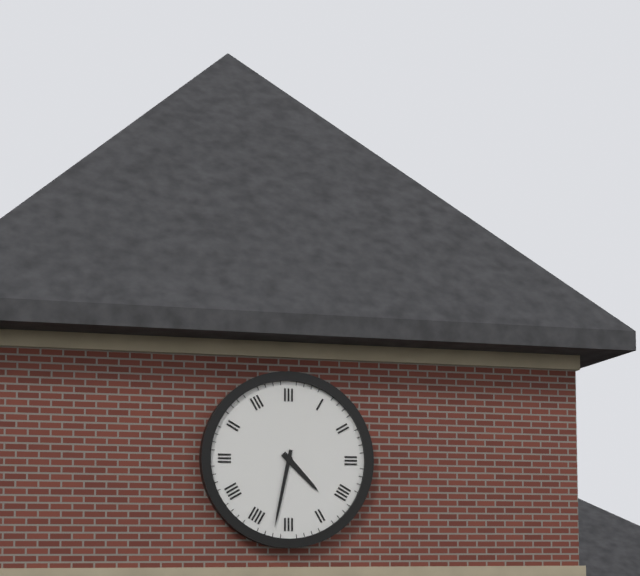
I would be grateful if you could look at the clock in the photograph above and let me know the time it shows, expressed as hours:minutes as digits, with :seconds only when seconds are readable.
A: 4:32
